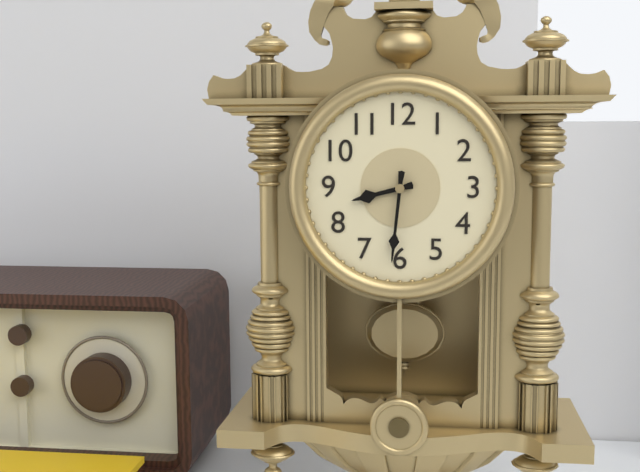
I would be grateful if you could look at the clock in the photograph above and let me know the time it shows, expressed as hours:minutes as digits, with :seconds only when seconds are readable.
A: 8:31
